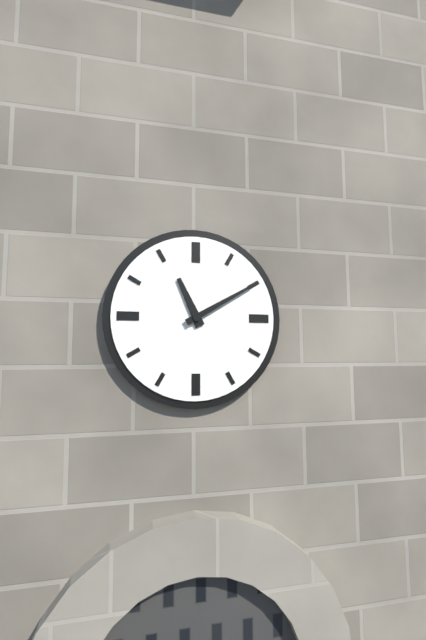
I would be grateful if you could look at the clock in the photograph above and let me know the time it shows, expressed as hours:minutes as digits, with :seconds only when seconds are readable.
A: 11:10
